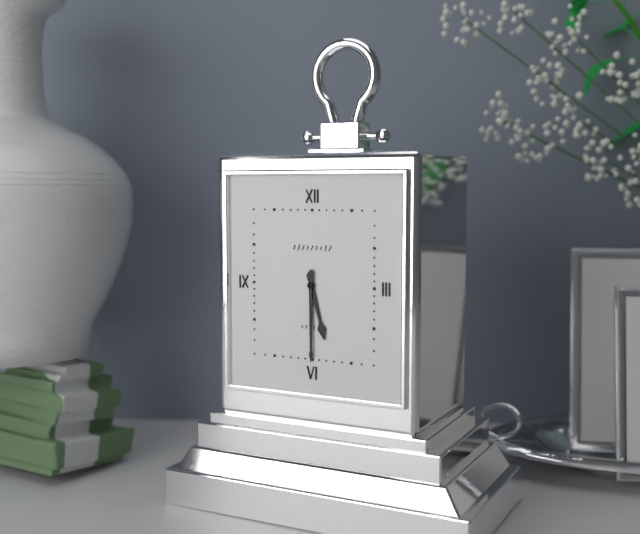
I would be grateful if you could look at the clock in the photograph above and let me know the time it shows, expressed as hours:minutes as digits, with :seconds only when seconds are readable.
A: 5:30
